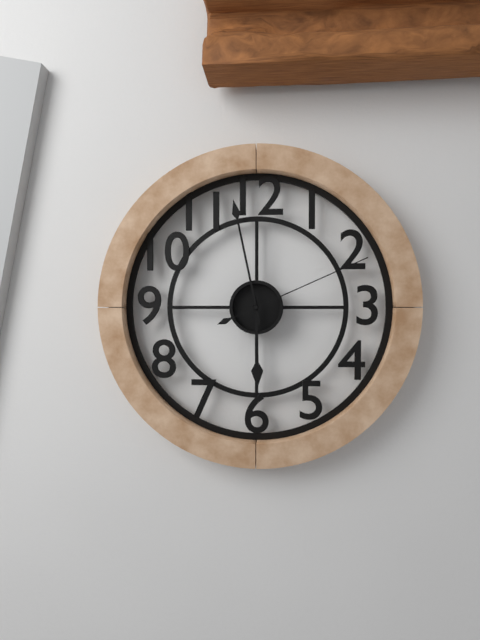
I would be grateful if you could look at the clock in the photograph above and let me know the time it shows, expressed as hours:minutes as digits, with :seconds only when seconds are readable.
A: 5:58:11
